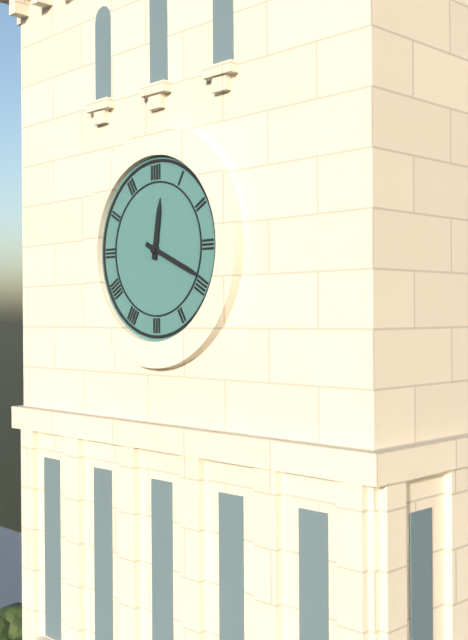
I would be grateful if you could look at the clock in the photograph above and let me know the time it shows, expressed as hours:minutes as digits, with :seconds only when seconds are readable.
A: 12:19
